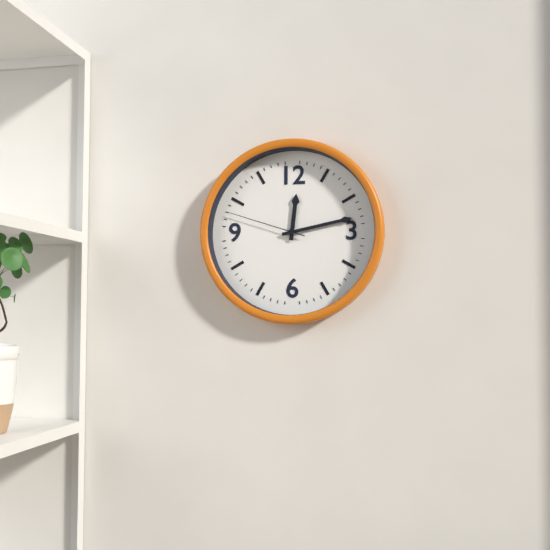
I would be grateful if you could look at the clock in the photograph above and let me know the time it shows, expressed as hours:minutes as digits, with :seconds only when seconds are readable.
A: 12:13:48
